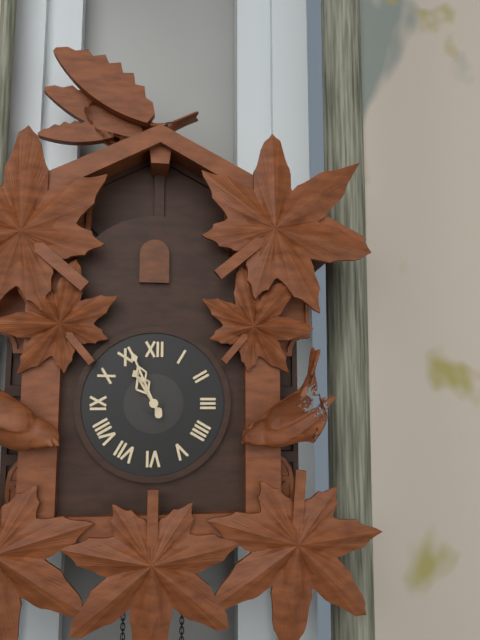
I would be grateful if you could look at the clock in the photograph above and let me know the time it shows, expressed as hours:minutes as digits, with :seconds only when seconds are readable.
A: 10:56
